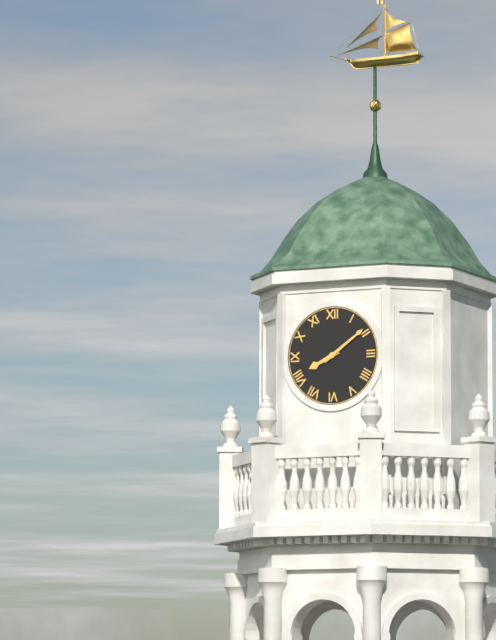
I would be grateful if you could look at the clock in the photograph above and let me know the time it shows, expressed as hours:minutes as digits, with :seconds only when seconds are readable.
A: 8:09
